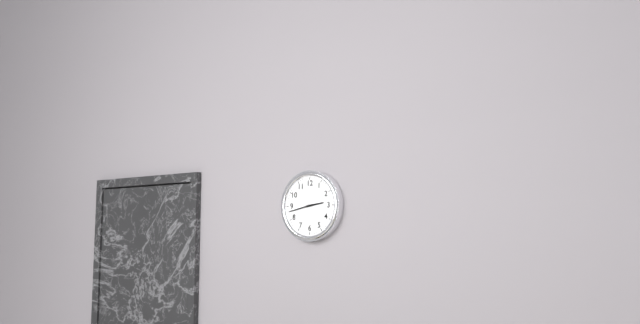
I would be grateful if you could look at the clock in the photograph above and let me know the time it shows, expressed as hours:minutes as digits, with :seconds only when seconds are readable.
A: 2:43
